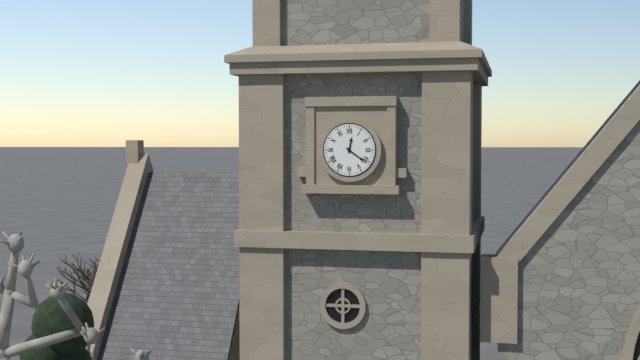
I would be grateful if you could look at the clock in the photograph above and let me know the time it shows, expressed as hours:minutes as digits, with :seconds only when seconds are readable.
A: 12:21
